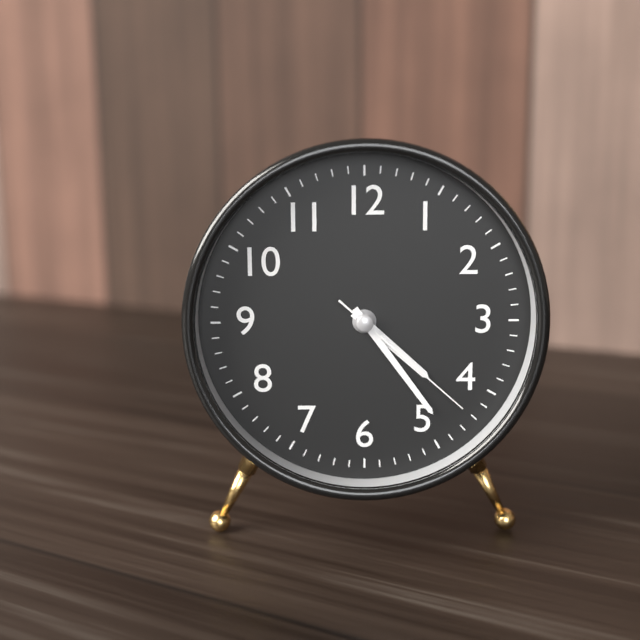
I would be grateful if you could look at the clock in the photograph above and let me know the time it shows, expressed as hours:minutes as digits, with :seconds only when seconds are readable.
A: 4:24:22
